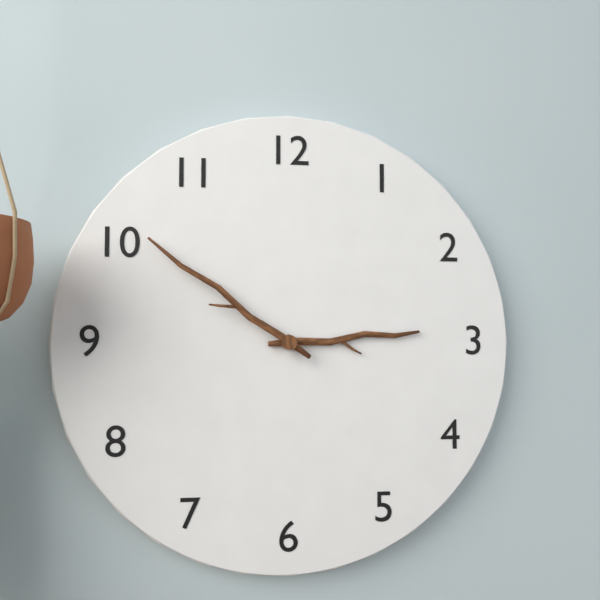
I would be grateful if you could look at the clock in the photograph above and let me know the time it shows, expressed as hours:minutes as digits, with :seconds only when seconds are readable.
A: 2:51
